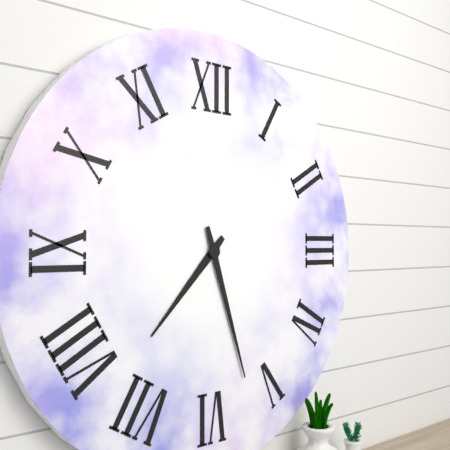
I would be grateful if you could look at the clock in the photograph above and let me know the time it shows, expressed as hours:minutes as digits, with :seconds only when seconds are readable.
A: 7:27
